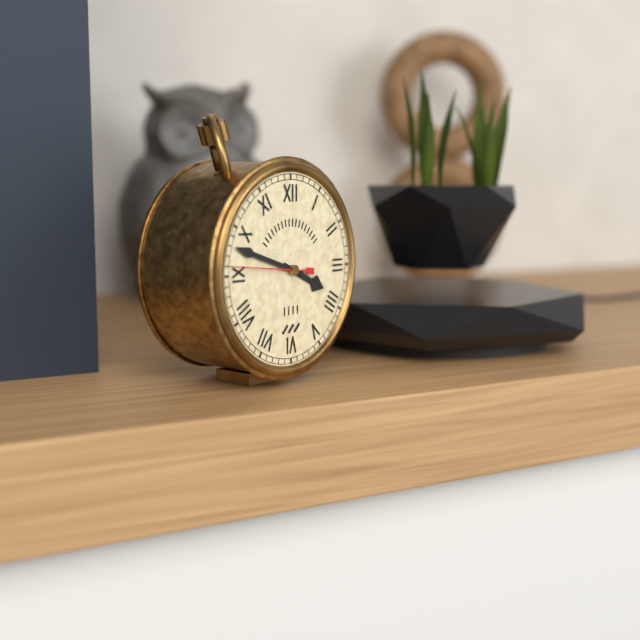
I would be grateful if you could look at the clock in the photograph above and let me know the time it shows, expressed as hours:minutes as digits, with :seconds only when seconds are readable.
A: 3:48:46
